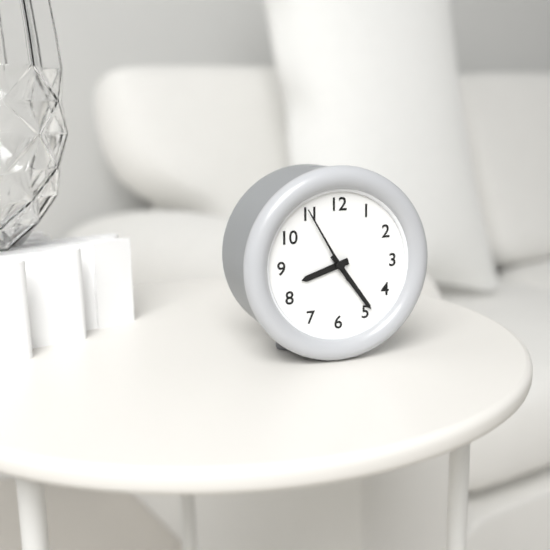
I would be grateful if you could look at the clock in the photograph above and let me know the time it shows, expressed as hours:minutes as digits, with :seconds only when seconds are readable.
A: 8:24:55
